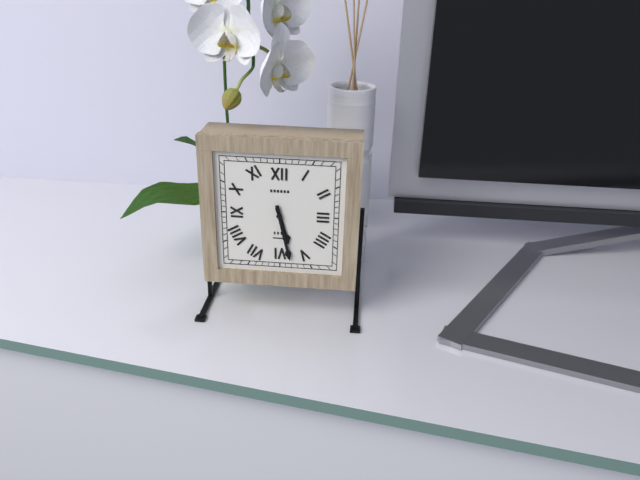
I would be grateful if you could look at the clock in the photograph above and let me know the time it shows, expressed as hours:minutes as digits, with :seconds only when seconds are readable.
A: 5:28
